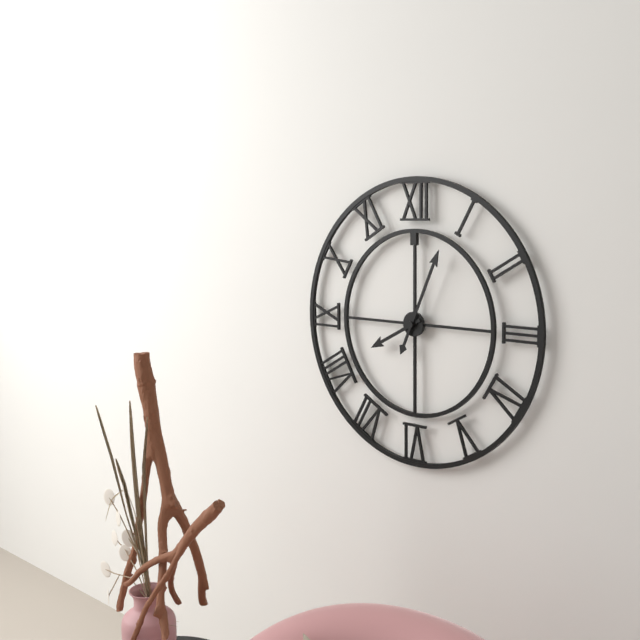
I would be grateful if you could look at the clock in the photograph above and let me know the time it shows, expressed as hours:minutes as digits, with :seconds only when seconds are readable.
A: 8:04
